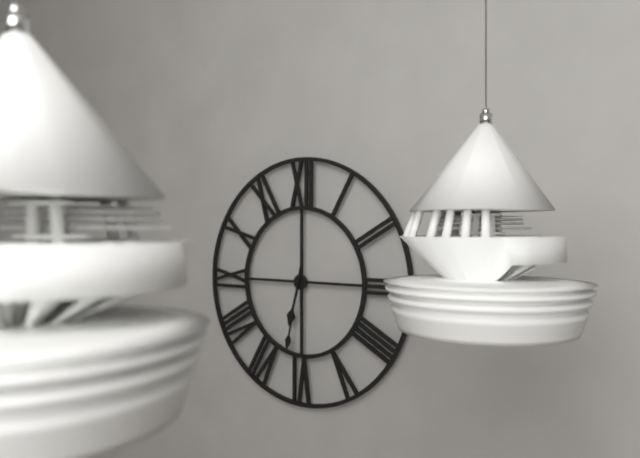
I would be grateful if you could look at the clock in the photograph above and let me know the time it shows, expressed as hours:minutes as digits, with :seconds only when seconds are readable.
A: 6:32
